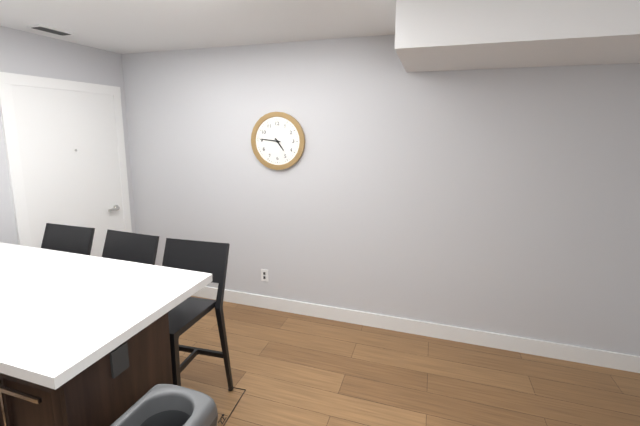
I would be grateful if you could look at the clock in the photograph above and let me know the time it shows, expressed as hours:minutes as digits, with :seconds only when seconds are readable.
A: 4:46
